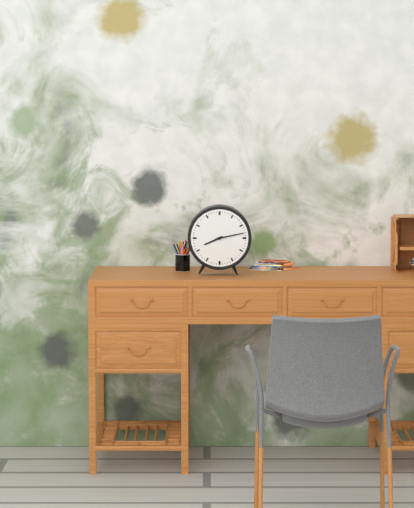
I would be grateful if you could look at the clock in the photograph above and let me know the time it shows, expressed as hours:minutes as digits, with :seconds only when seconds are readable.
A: 8:13
